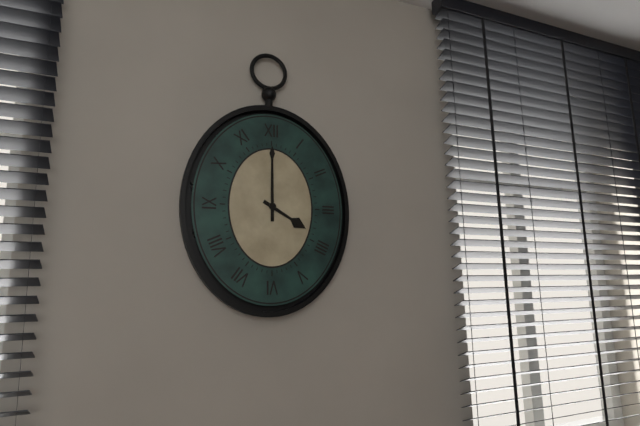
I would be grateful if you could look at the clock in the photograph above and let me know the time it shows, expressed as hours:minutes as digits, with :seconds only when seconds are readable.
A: 4:00
